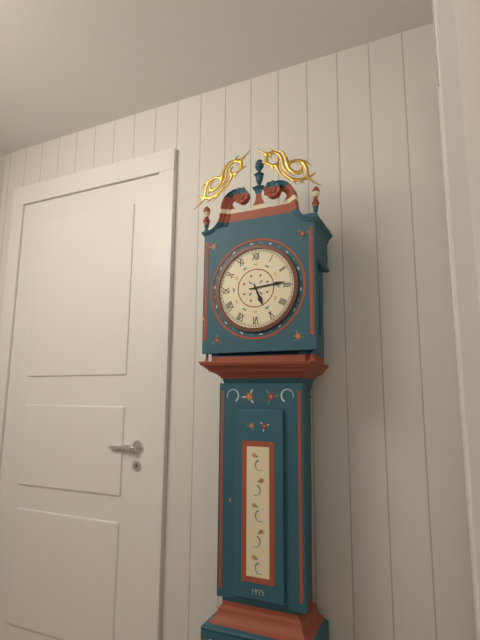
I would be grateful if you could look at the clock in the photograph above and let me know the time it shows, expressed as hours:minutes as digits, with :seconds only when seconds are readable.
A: 5:14
